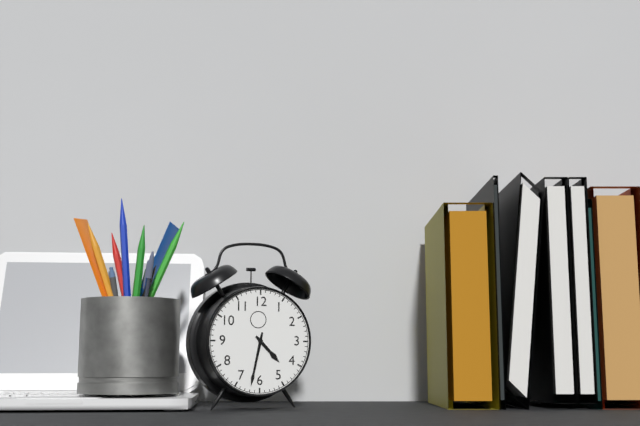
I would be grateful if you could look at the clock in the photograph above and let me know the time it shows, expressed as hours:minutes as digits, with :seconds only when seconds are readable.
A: 4:32
